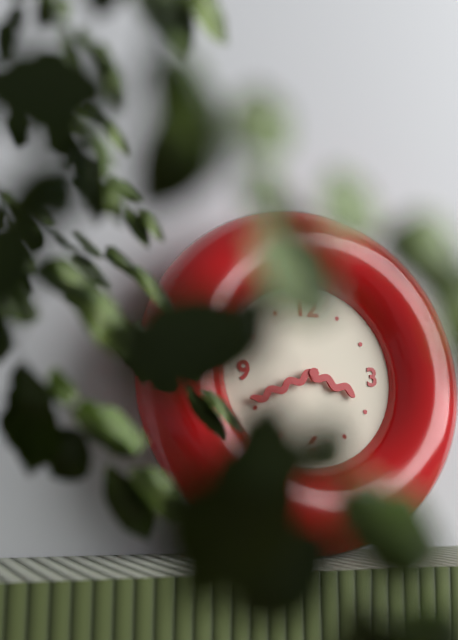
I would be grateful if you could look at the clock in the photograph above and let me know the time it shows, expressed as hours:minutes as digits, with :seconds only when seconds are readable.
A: 3:41
